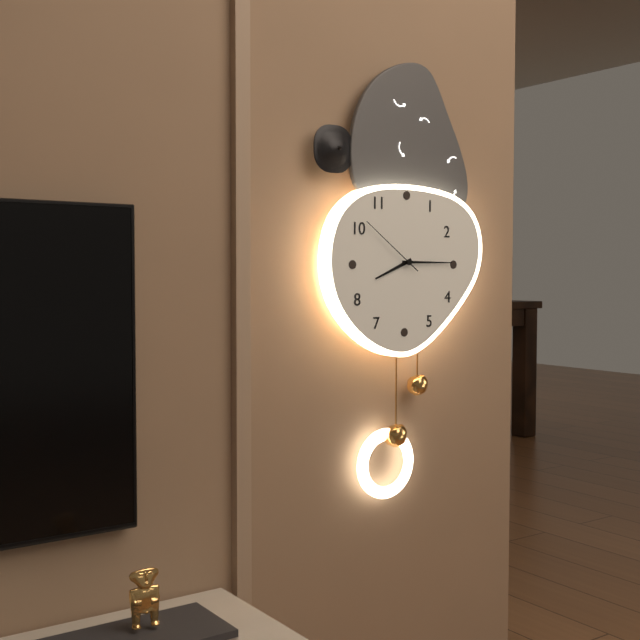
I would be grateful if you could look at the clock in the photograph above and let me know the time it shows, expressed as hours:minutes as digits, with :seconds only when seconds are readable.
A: 8:15:51
